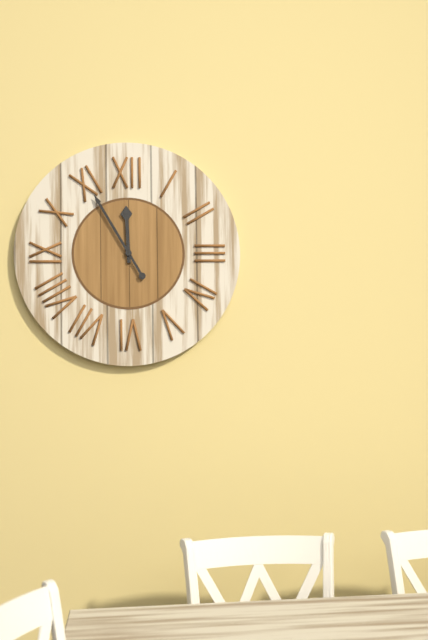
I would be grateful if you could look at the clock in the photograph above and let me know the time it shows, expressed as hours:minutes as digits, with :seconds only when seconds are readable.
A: 11:55
